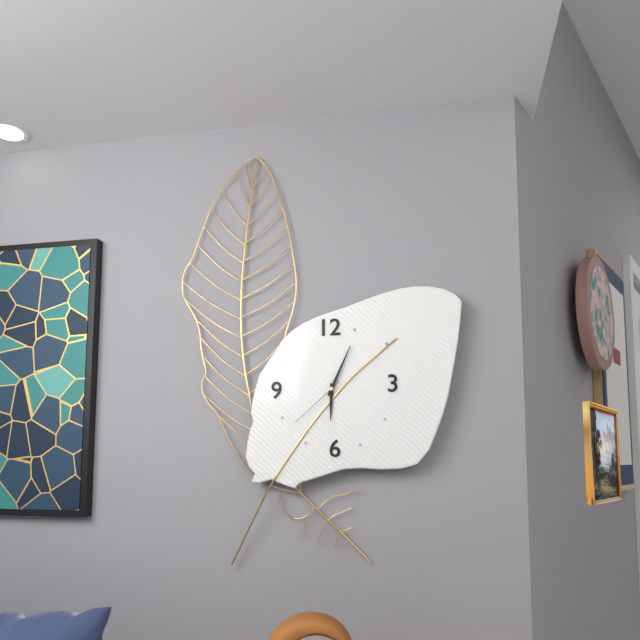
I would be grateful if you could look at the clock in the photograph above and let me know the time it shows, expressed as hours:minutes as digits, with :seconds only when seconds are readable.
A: 6:04:38
